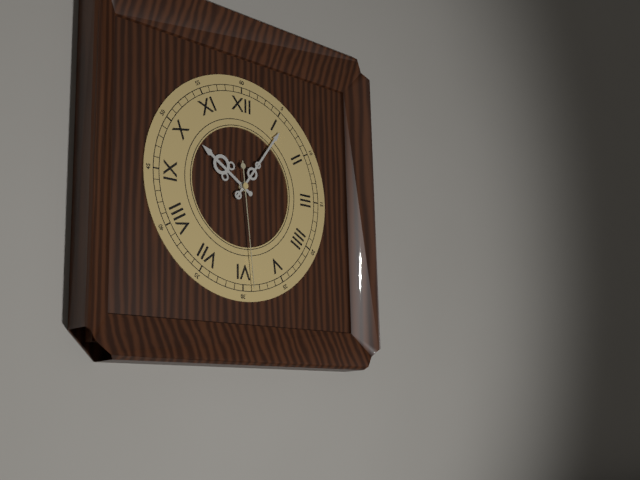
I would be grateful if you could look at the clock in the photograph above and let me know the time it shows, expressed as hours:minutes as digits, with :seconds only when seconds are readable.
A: 10:06:29
